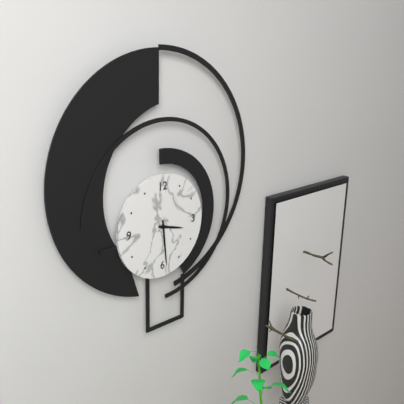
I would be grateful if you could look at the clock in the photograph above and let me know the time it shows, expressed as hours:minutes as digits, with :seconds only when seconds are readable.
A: 3:29
